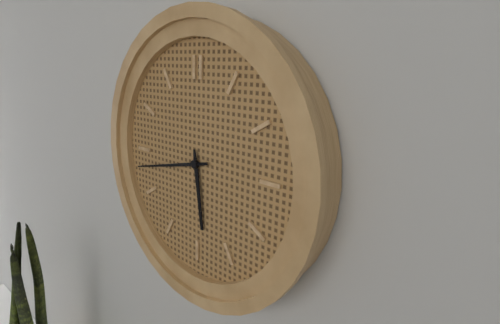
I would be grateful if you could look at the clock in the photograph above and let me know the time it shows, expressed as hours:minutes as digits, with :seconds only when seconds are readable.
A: 5:43
